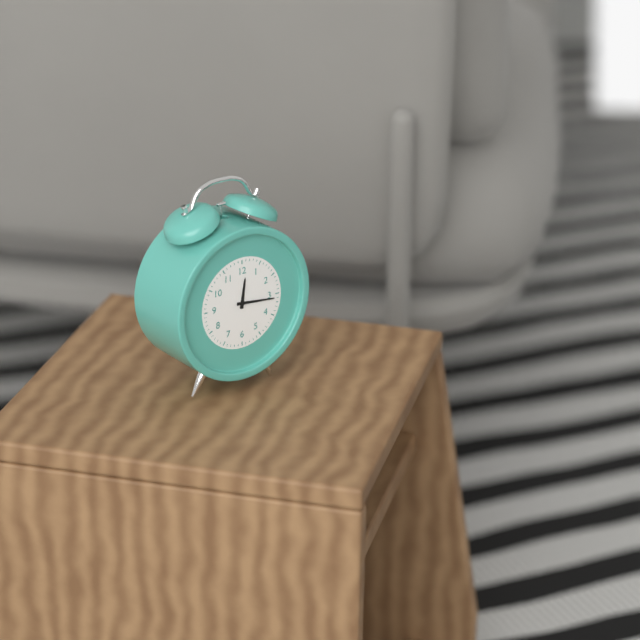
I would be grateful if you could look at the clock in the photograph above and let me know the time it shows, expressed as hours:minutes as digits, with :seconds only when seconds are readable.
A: 12:16
